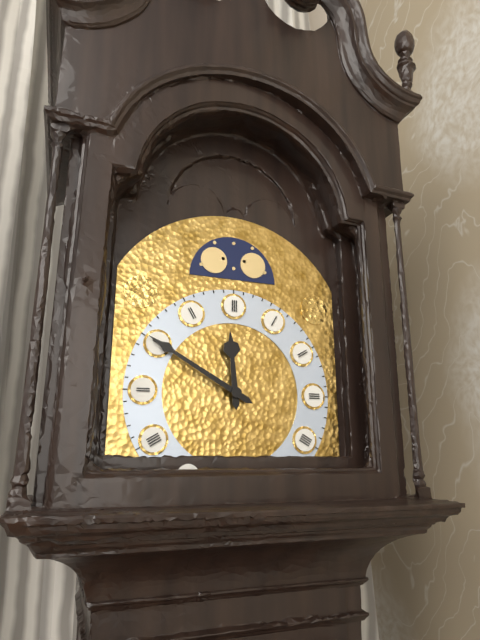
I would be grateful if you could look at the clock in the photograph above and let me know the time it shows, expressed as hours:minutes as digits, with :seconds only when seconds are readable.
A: 11:50
